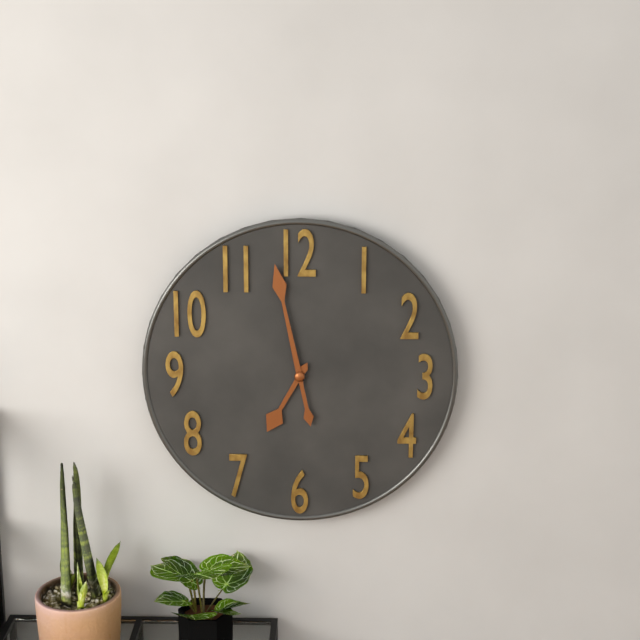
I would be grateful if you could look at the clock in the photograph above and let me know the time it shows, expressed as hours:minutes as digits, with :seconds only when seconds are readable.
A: 6:58
